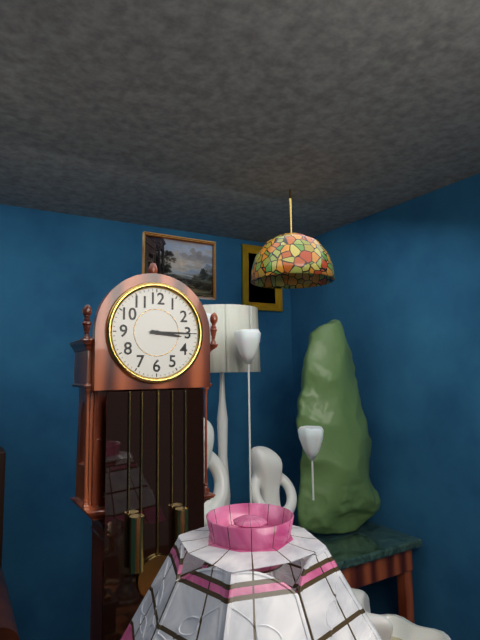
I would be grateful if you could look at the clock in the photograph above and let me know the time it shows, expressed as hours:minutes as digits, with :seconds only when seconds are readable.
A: 3:15
